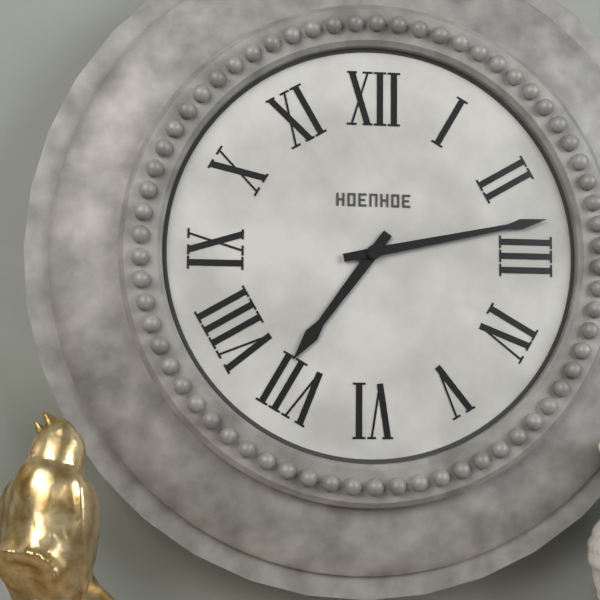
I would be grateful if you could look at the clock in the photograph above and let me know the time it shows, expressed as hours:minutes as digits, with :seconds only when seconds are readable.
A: 7:13
